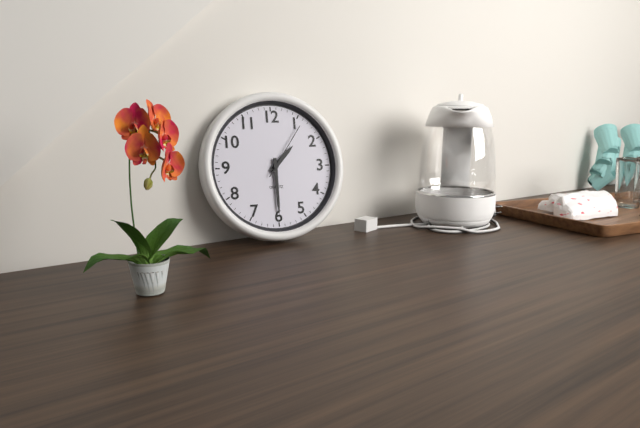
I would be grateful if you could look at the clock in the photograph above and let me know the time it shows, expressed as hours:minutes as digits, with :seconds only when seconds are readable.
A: 1:30:06
